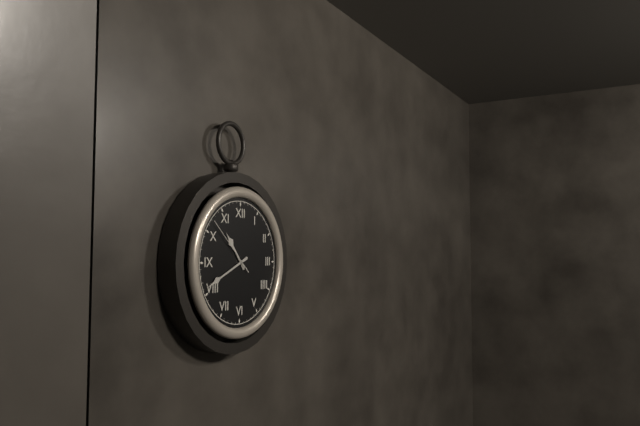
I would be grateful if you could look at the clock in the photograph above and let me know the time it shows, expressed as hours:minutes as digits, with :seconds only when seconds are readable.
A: 10:41:52
